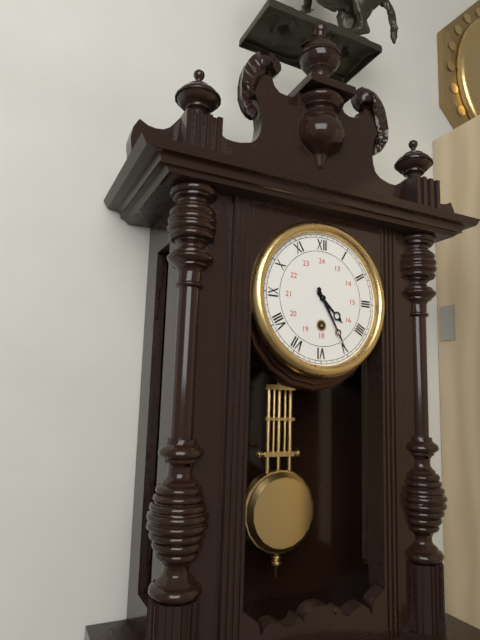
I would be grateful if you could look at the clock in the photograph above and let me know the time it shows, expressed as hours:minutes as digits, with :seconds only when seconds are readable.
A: 4:25
